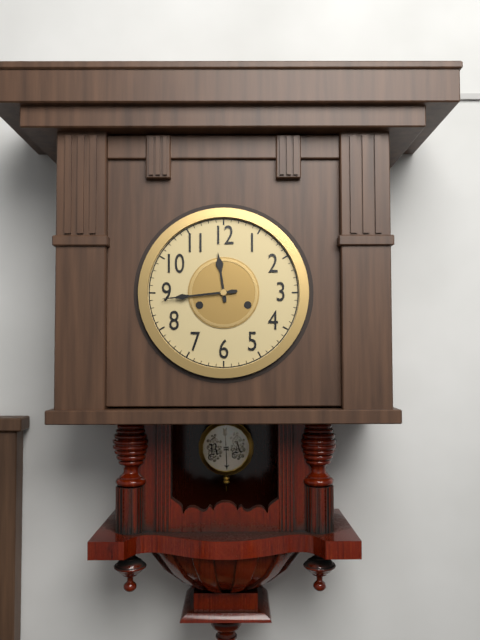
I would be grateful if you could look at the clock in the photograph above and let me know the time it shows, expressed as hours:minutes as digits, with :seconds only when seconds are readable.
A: 11:44
